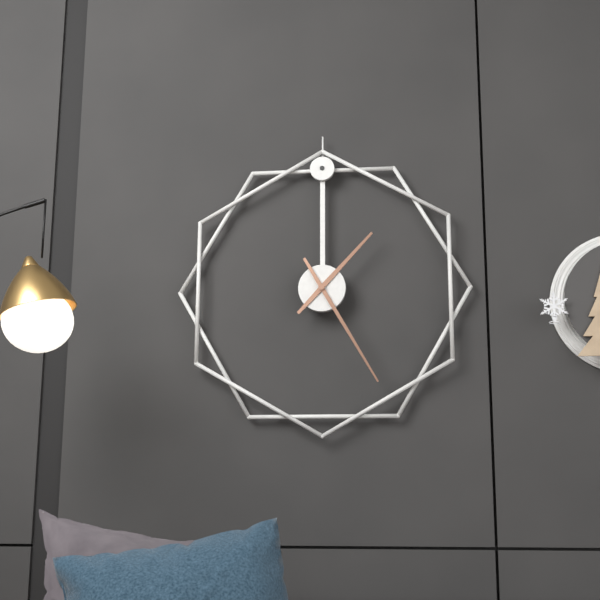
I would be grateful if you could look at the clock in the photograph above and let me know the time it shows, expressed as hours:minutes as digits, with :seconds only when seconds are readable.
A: 1:25
